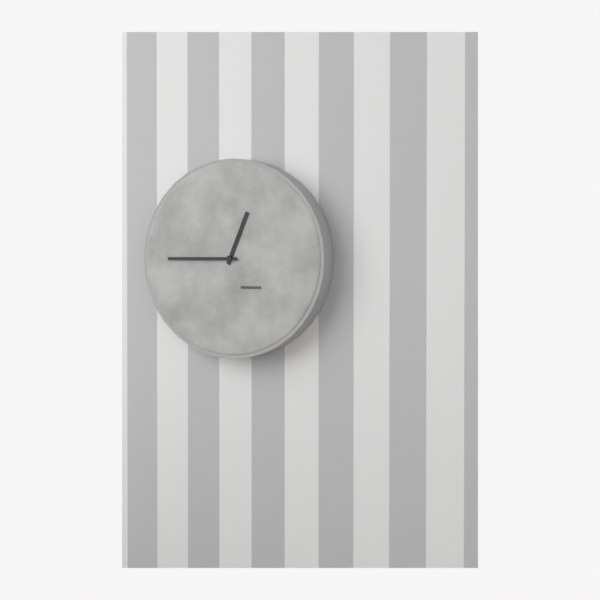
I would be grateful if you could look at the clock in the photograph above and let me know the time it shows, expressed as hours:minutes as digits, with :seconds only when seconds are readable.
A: 12:45
